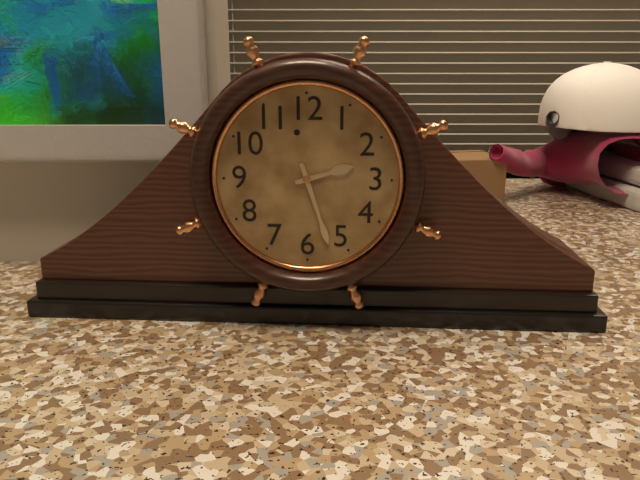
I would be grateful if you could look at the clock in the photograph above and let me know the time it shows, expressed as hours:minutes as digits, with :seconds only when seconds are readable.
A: 2:27
